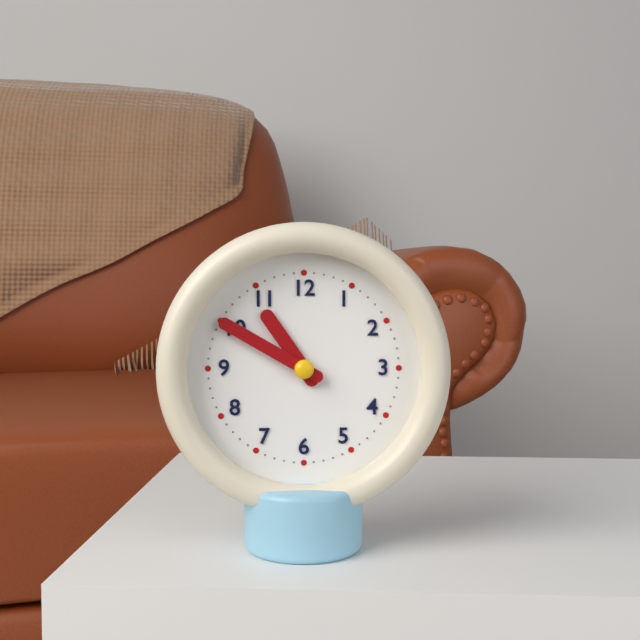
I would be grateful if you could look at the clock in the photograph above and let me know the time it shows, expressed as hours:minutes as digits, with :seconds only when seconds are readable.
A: 10:50
